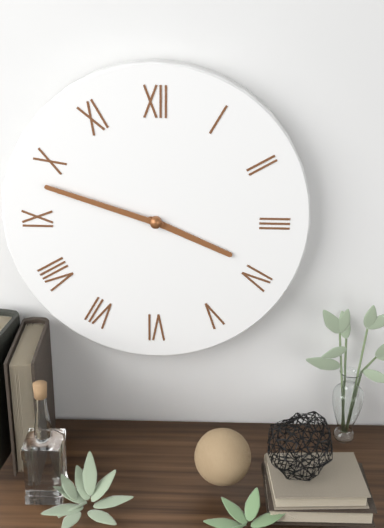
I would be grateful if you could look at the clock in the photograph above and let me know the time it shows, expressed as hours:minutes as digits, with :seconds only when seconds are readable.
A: 3:48
